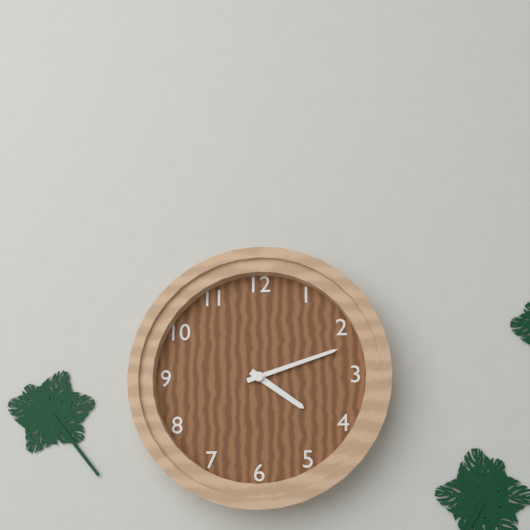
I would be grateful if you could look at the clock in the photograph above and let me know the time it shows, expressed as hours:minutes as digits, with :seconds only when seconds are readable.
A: 4:12
